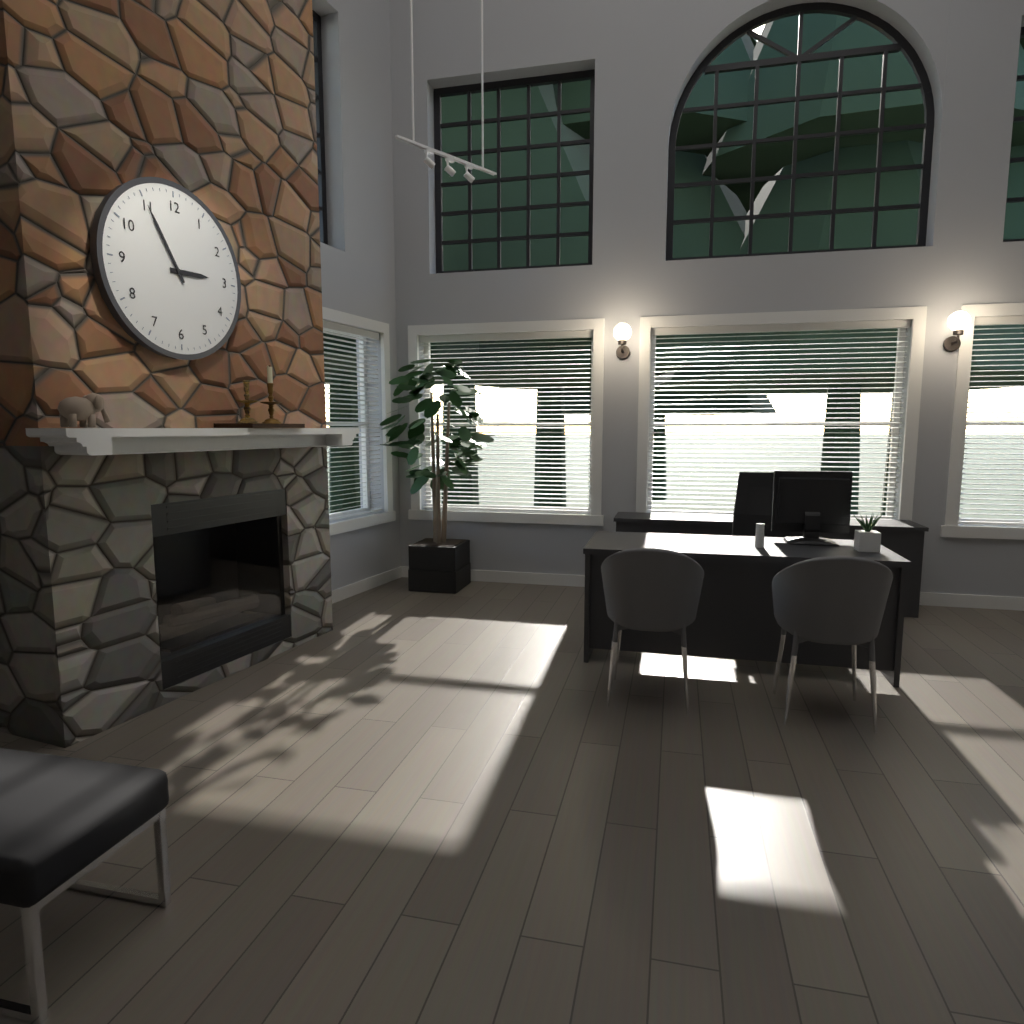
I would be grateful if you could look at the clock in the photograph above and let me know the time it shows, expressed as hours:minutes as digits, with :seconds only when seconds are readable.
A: 2:55
